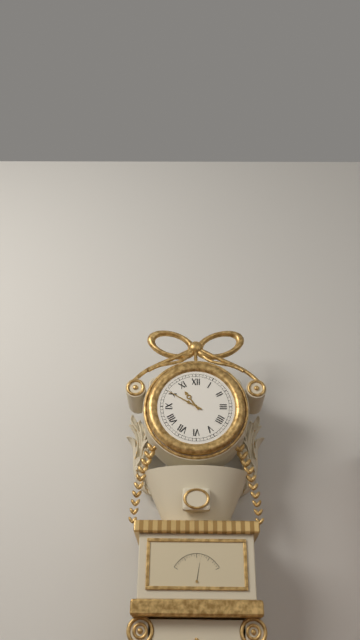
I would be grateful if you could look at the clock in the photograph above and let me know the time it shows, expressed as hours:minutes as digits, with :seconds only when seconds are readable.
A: 10:50
